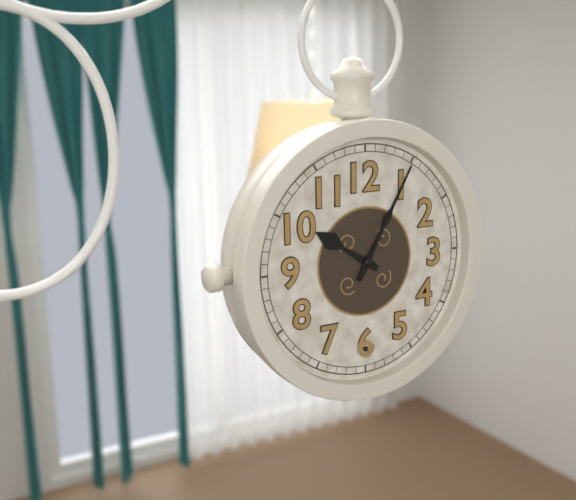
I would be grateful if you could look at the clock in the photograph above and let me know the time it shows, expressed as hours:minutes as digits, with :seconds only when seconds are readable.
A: 10:05
